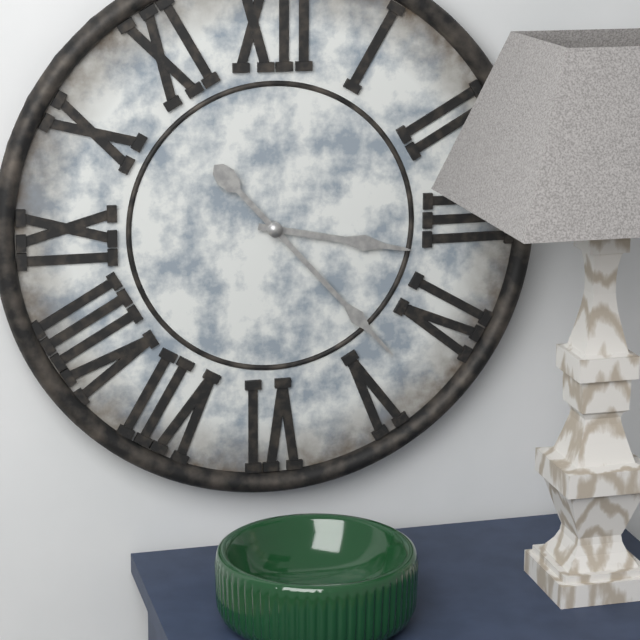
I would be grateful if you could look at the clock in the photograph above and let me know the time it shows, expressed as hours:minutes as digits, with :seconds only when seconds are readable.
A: 3:23
